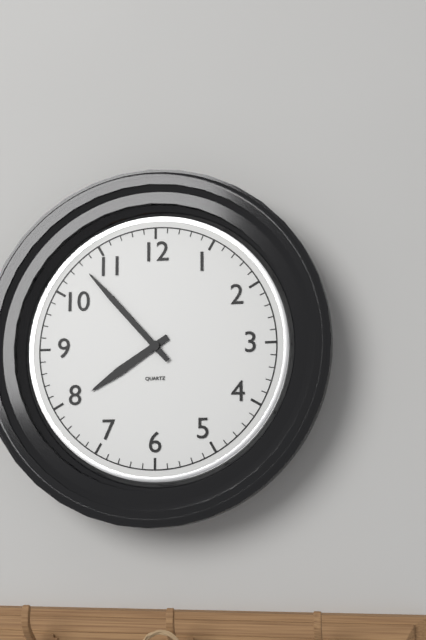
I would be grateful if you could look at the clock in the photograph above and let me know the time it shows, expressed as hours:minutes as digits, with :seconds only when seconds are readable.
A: 7:53
